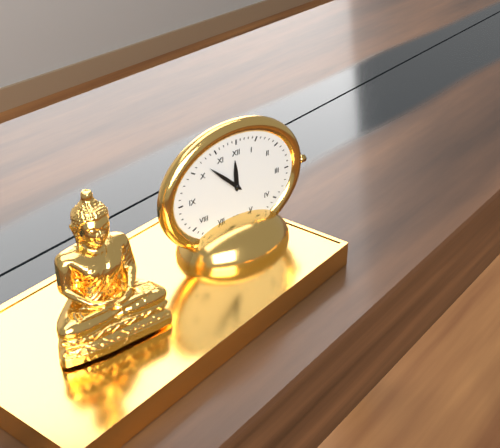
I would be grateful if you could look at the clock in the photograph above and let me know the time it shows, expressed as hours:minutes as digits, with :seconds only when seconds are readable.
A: 11:52
